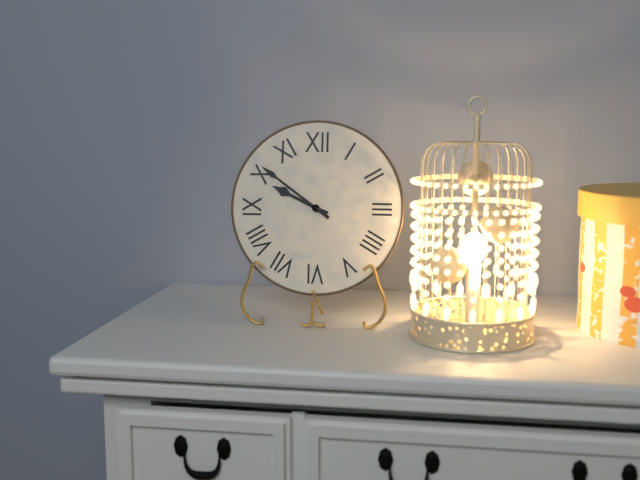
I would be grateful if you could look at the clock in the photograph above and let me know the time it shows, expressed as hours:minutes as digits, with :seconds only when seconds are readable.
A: 9:51
